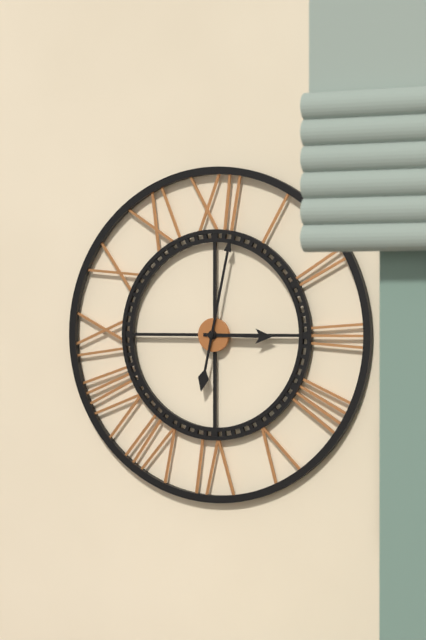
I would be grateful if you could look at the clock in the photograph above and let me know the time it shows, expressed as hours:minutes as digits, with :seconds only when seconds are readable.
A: 3:02
